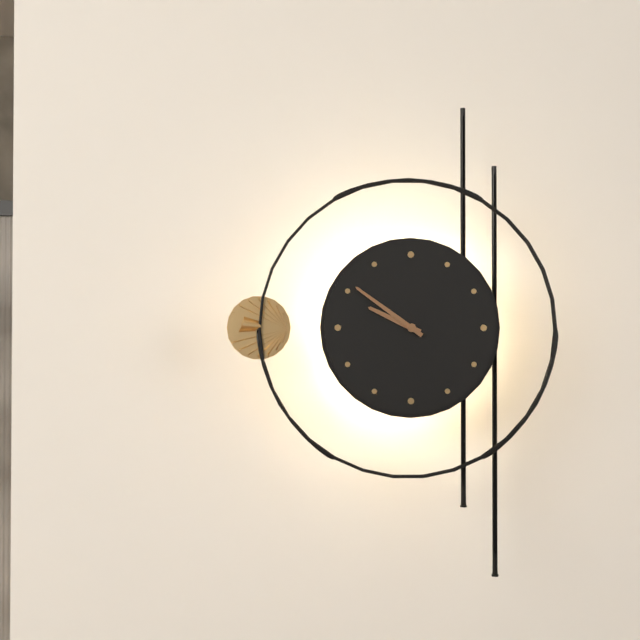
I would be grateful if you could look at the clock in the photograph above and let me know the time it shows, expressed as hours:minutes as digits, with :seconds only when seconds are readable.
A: 9:51
